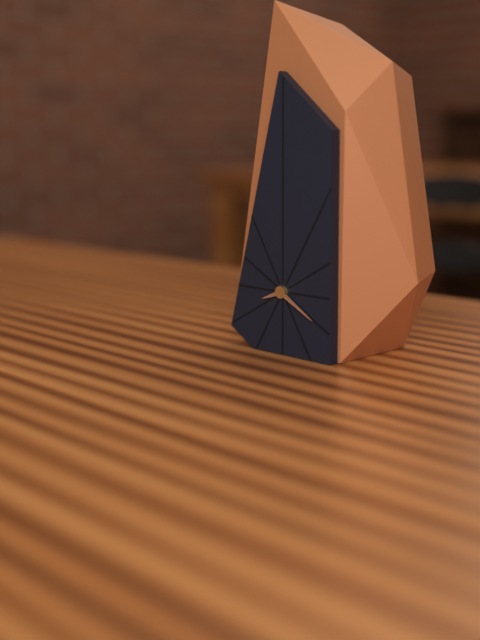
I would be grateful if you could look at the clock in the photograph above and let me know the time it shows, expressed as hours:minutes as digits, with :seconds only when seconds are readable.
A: 8:20
